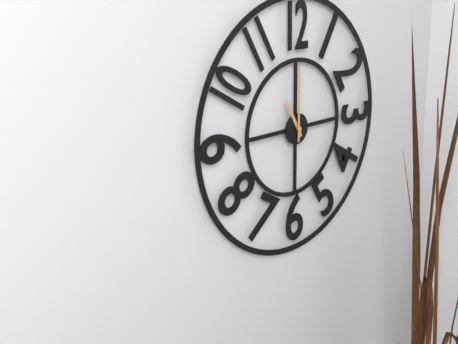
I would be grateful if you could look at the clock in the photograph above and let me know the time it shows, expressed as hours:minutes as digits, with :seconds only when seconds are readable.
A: 11:00
